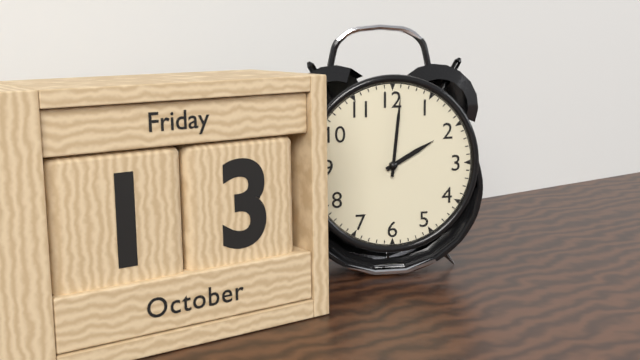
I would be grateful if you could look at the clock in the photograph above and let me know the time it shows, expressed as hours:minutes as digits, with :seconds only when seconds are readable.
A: 2:01
